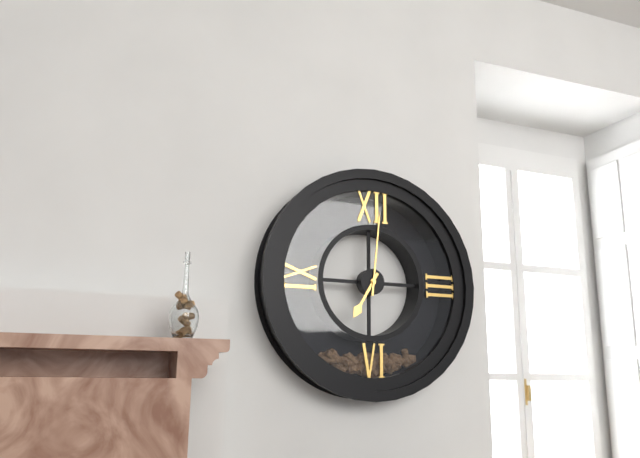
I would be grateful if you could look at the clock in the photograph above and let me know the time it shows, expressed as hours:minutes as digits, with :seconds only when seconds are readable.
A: 7:01
